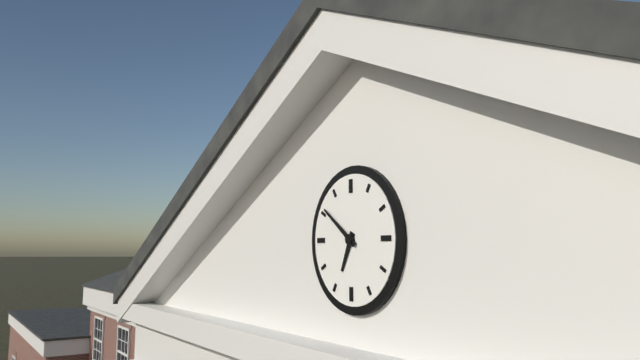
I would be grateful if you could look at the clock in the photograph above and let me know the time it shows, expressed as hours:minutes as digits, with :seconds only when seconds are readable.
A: 6:51
